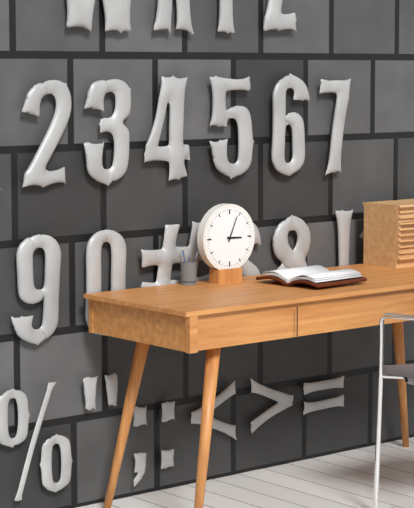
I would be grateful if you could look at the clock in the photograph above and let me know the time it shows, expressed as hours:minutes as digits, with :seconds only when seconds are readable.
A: 3:04
